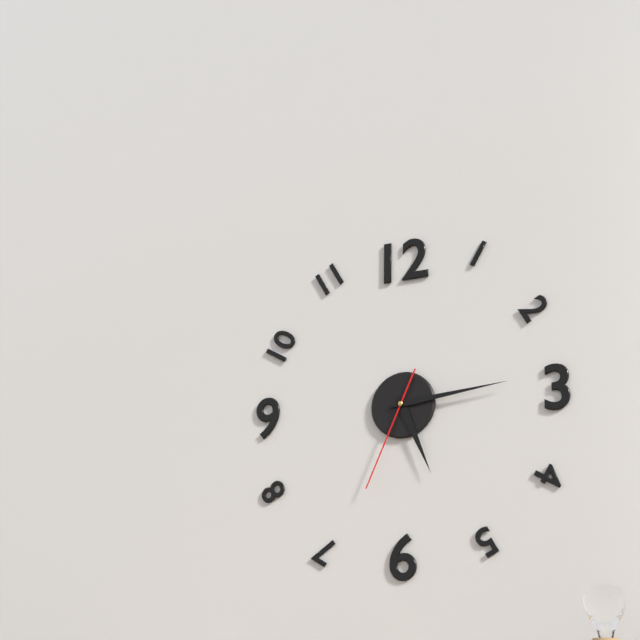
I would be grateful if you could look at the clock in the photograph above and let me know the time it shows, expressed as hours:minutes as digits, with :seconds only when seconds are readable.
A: 5:14:34
